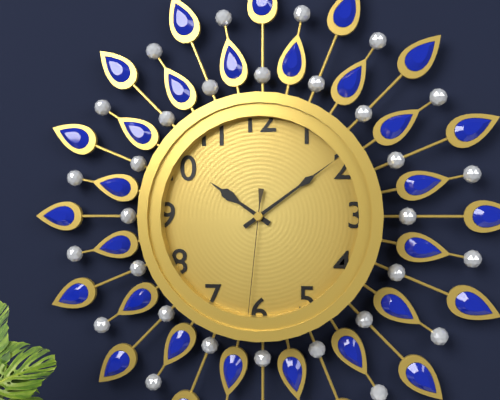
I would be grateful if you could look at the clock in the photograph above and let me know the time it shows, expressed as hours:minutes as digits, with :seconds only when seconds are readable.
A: 10:09:31
